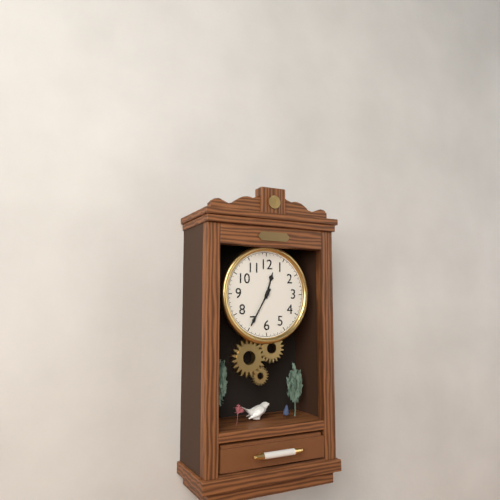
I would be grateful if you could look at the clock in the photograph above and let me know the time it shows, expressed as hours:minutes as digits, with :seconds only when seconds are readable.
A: 12:35
